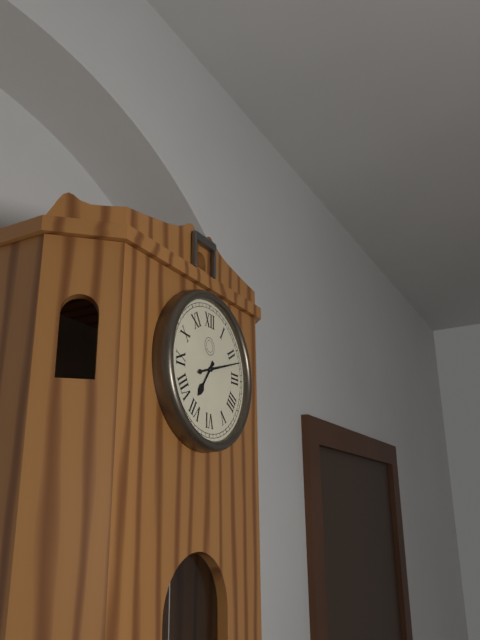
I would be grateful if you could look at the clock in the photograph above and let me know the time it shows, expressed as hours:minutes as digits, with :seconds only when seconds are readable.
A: 7:12
